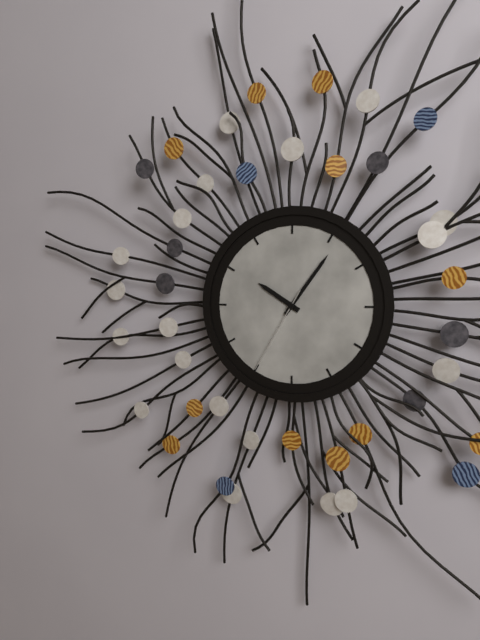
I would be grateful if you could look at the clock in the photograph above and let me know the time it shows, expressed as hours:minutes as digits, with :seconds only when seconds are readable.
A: 10:06:35
